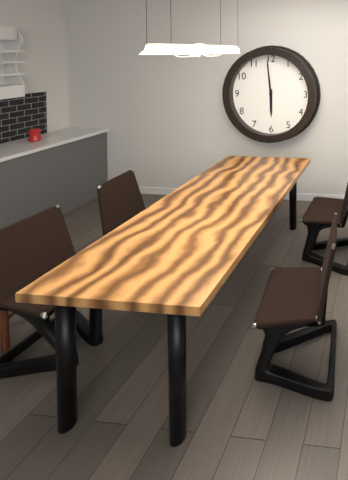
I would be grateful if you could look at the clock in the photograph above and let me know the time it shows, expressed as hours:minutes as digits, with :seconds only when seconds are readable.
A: 5:59
